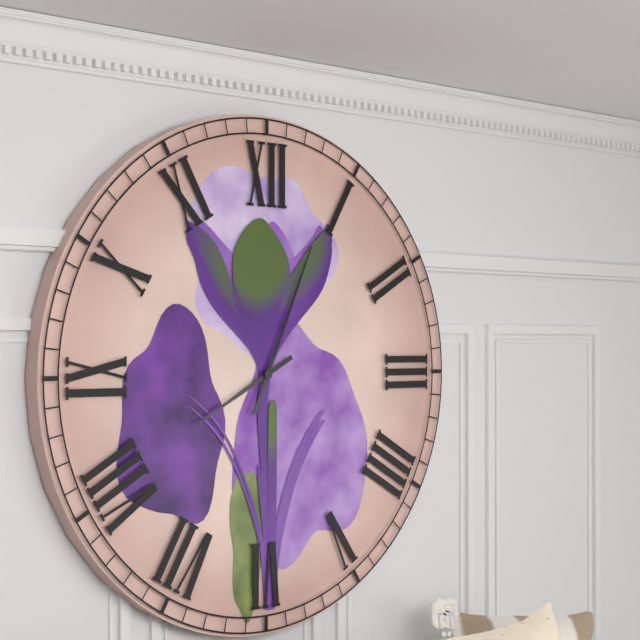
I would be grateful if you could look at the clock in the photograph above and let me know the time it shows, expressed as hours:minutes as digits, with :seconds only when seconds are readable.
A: 8:04
